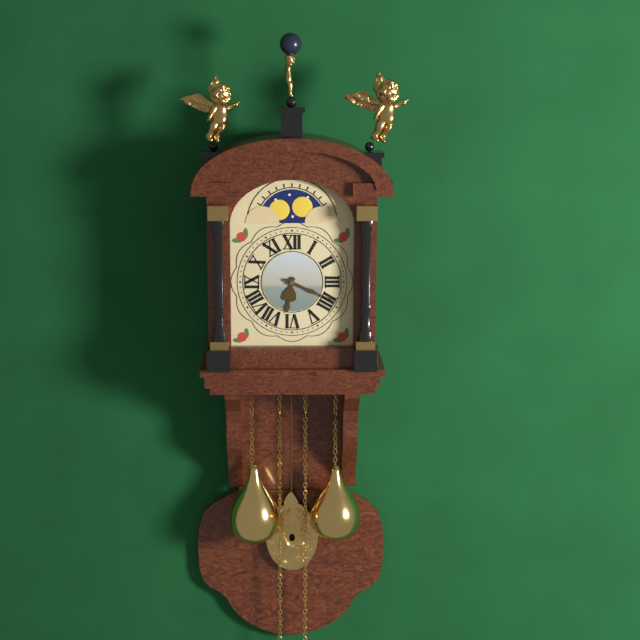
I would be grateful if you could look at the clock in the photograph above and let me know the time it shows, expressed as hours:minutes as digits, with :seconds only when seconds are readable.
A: 6:19
